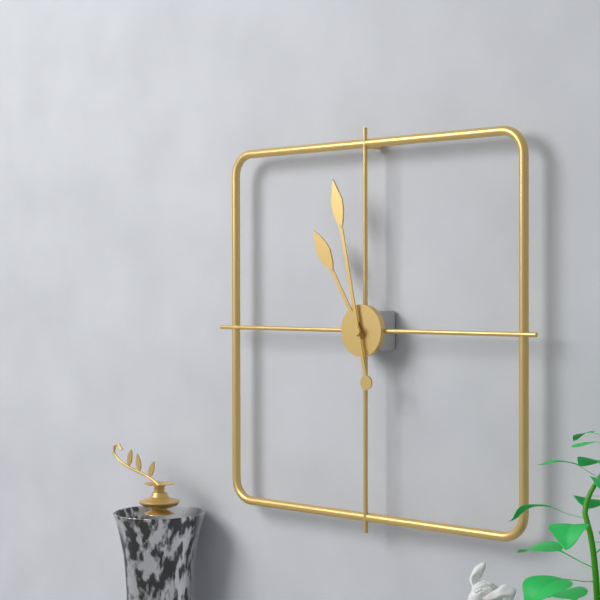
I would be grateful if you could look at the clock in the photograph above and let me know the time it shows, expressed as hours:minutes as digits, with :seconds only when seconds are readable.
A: 10:58
